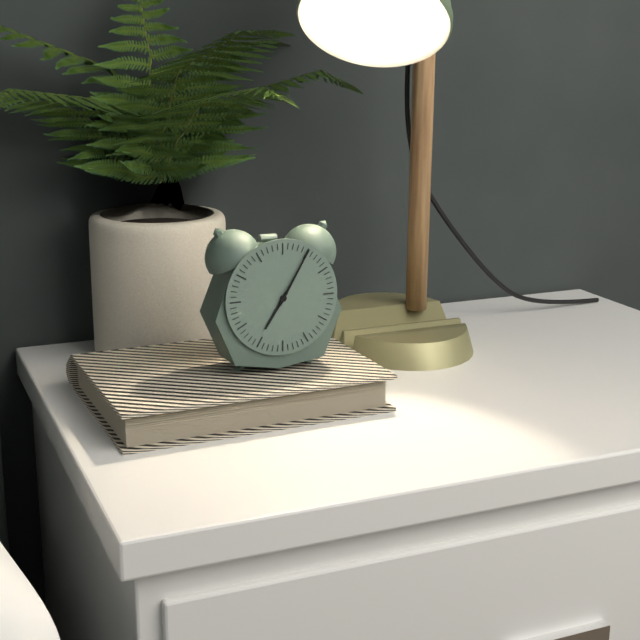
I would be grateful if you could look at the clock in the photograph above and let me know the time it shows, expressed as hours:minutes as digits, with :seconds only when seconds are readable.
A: 7:05
